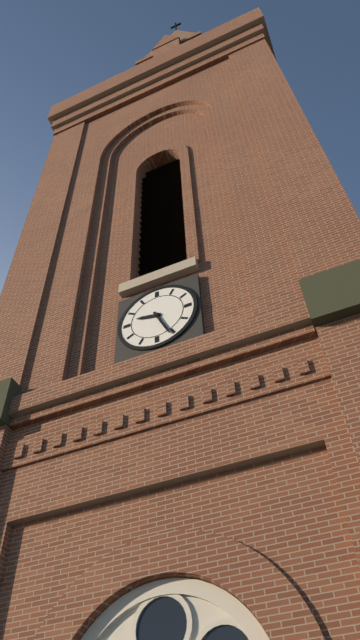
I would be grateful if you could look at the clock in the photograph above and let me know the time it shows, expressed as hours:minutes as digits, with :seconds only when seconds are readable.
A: 9:26
